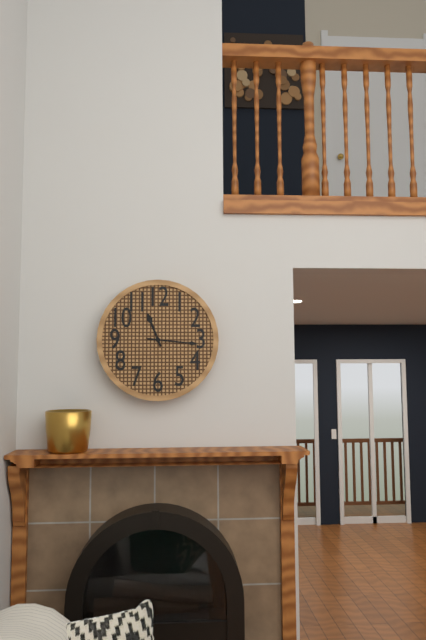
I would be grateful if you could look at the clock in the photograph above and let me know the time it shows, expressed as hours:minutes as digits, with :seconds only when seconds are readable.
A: 11:16
